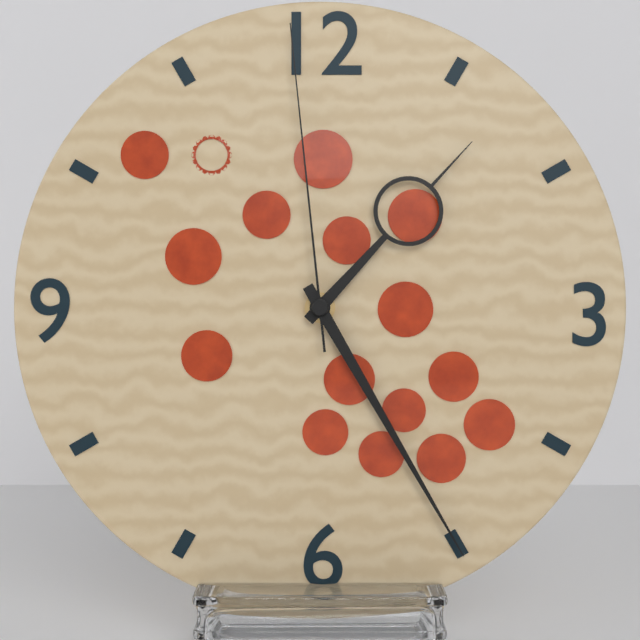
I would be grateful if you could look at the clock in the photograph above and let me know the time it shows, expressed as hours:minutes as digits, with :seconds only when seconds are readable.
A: 1:25:59
